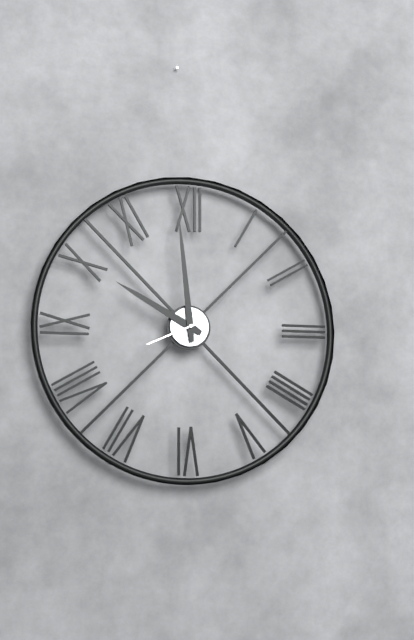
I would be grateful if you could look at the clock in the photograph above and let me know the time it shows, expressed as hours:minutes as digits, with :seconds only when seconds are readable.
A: 9:59:41
